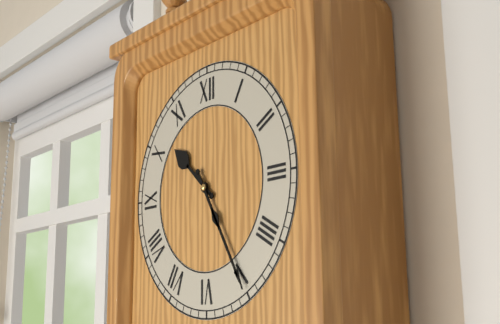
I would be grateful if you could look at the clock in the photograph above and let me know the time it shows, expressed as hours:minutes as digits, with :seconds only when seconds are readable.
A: 10:25
